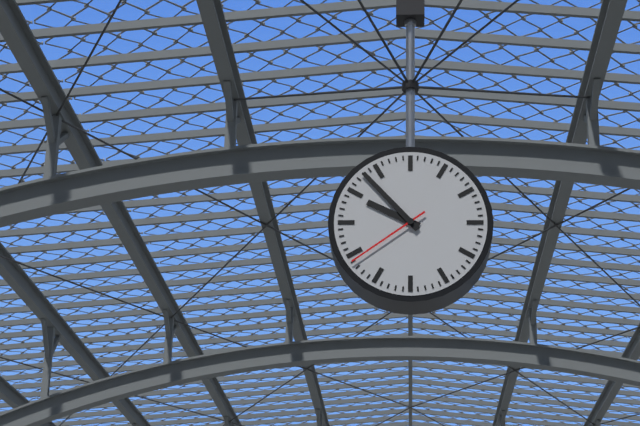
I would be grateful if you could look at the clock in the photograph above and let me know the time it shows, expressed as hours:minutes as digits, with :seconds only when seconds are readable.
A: 9:53:39
